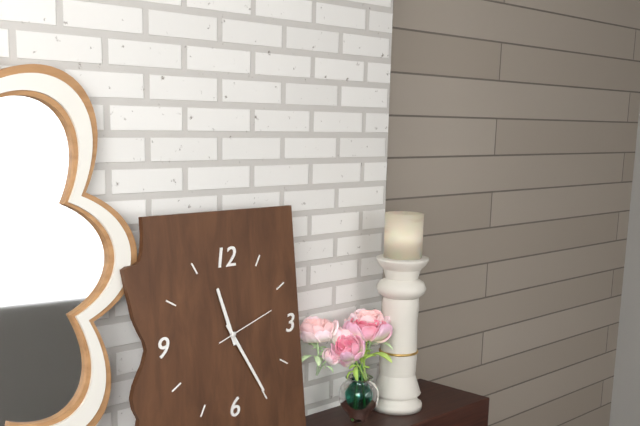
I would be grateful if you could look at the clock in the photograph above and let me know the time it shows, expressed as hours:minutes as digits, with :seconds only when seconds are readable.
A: 11:25:12
